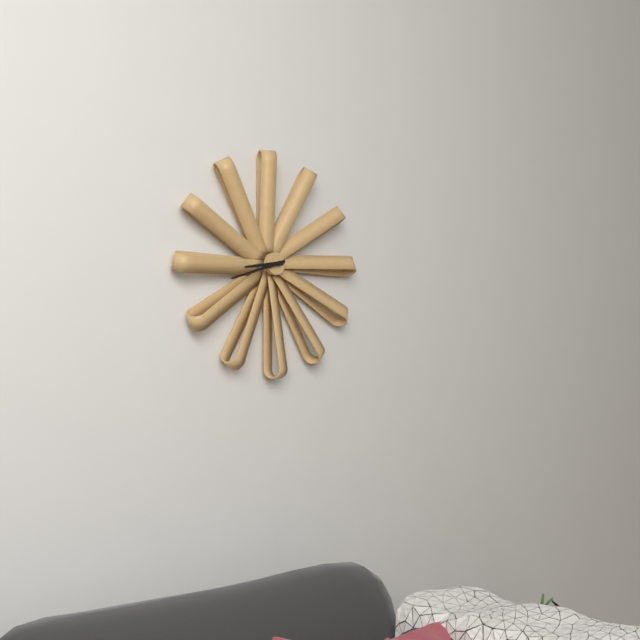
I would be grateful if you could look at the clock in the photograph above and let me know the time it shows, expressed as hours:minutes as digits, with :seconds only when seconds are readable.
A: 8:42
